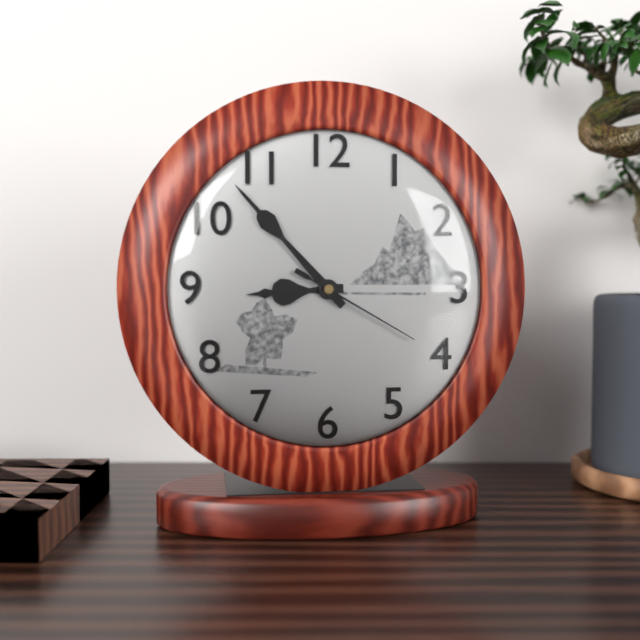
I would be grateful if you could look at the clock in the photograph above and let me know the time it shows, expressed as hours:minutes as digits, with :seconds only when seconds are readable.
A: 8:53:20
